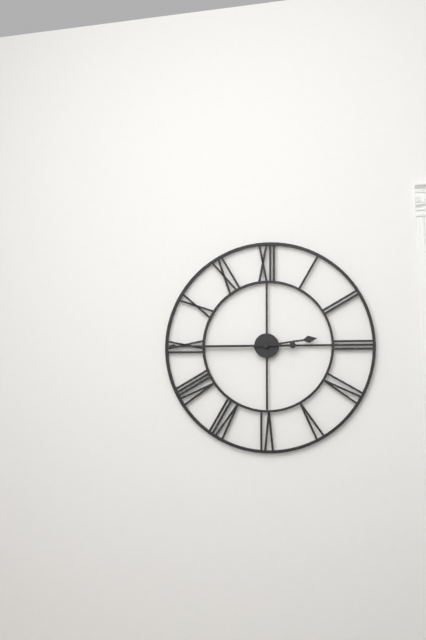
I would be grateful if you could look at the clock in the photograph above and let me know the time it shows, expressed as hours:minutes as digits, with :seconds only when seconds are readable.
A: 2:45
